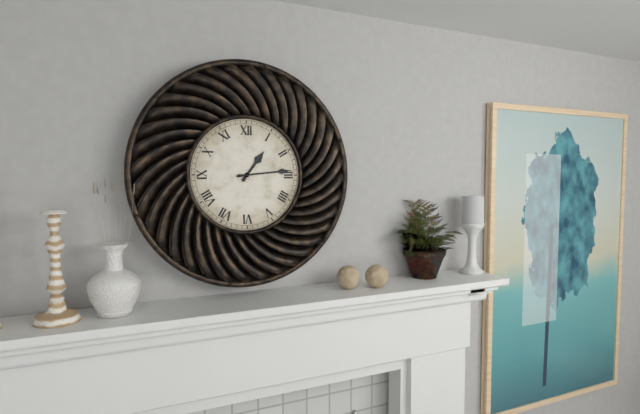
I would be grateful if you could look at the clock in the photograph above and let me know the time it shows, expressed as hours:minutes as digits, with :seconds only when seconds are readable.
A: 1:14
